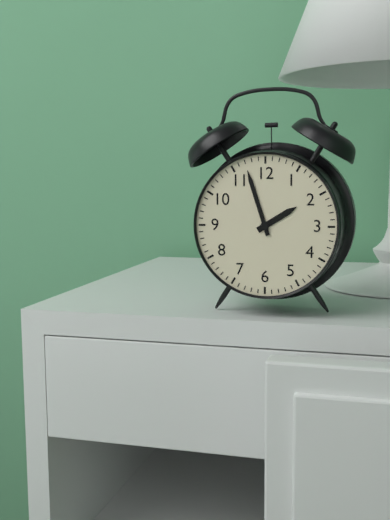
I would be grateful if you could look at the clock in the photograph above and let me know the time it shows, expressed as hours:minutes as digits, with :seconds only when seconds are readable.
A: 1:57
